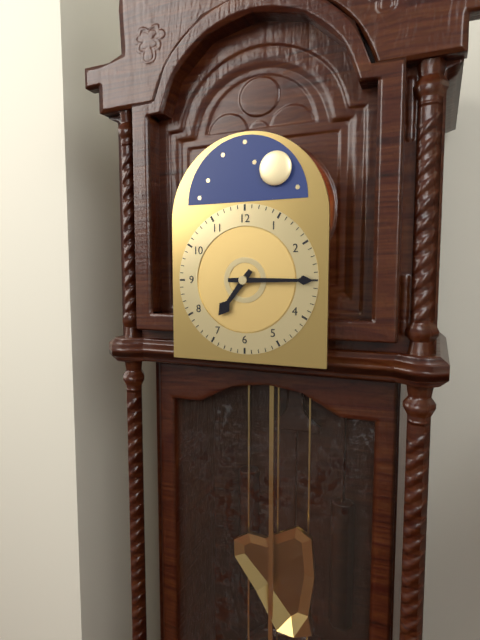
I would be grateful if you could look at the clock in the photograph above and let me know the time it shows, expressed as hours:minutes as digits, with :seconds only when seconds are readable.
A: 7:15
